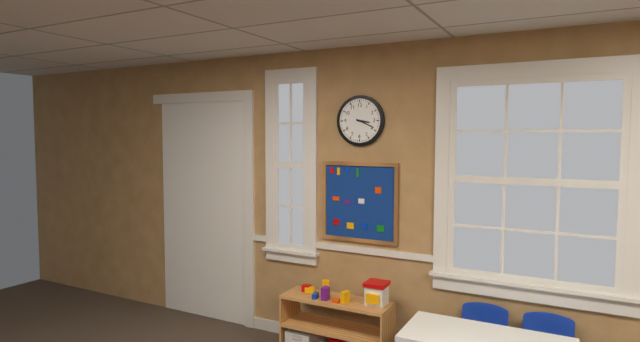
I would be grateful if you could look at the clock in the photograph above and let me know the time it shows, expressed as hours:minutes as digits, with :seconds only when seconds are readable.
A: 3:19
